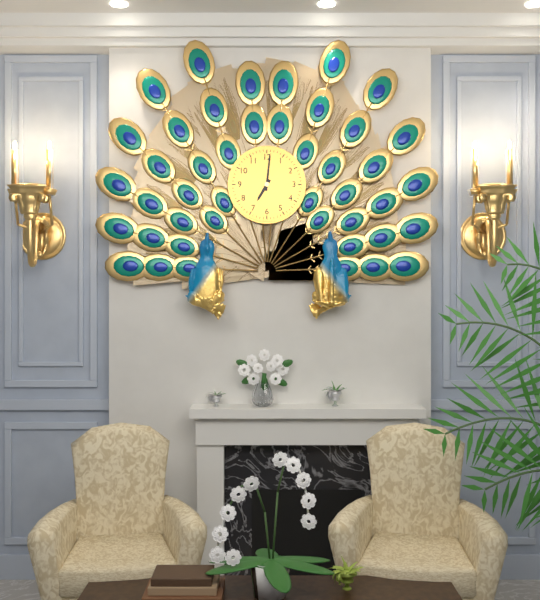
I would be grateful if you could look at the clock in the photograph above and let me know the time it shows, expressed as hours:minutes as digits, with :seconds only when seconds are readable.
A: 7:01
